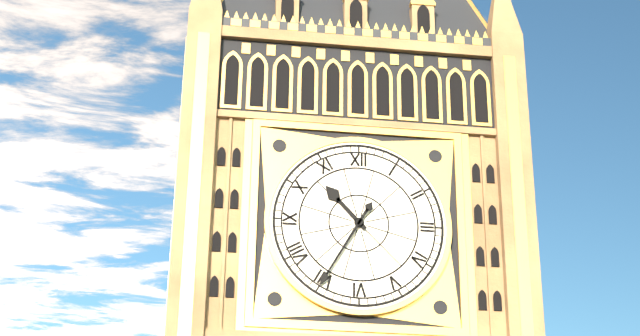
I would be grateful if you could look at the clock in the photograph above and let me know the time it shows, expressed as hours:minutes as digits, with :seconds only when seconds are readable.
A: 10:35
